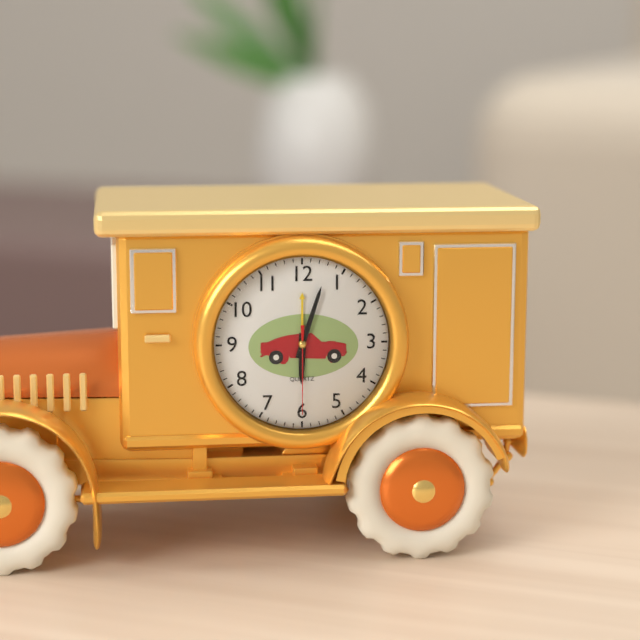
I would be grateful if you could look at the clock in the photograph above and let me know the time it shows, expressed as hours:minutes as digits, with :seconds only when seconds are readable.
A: 6:03:30
